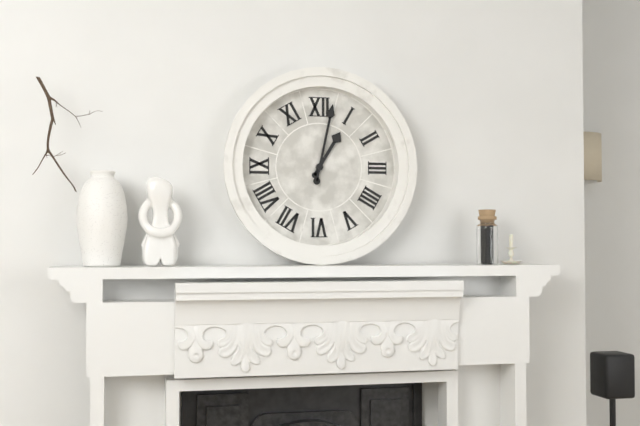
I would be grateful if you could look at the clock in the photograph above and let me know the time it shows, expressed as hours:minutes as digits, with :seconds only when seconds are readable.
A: 1:02
